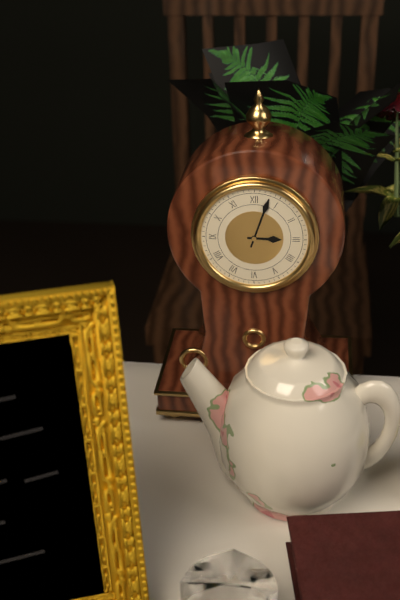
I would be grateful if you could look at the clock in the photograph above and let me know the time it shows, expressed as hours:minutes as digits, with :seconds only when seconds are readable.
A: 3:03
